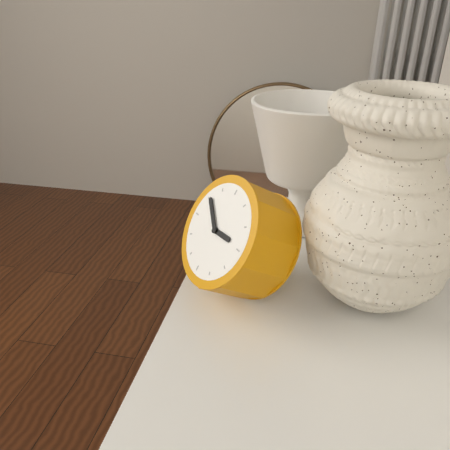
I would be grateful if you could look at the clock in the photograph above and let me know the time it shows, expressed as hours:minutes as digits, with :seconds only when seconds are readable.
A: 2:51
